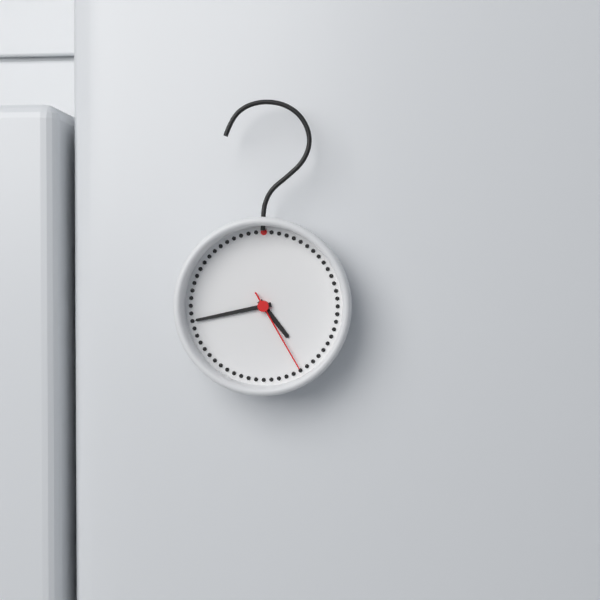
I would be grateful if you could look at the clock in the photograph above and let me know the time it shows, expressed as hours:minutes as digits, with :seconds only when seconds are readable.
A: 4:43:25
